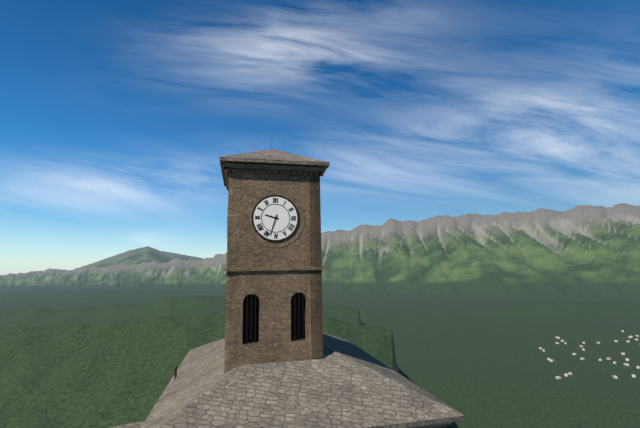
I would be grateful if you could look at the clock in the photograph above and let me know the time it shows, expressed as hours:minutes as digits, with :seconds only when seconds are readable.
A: 9:33
